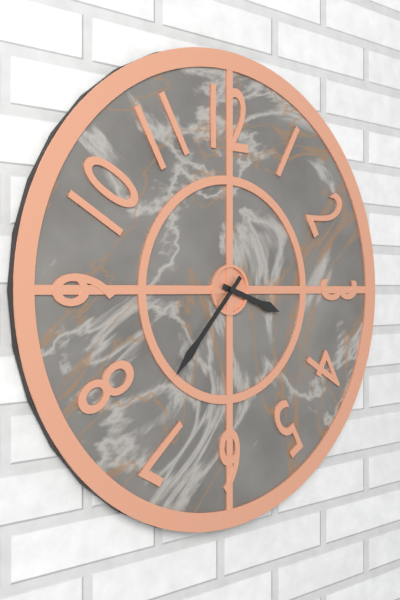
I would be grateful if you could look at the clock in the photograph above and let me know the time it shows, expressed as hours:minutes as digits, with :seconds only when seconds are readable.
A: 3:37
